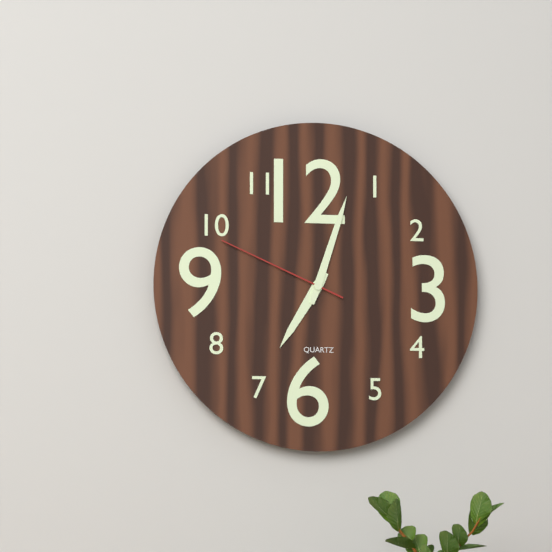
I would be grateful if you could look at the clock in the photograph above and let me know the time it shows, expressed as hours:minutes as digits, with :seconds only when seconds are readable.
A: 7:03:49
